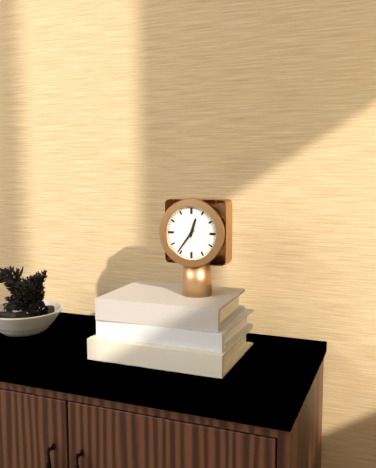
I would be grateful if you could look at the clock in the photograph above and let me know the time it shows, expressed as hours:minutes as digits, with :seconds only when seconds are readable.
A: 12:36
